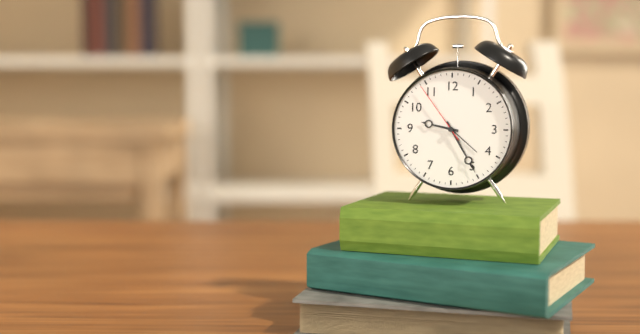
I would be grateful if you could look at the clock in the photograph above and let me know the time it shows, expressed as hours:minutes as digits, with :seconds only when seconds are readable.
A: 9:25:54
